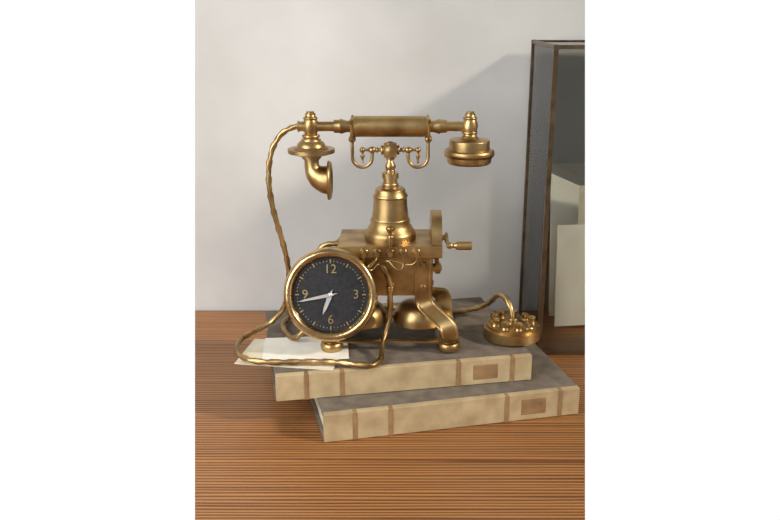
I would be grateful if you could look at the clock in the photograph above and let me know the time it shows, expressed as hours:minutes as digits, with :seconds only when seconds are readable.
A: 6:43
